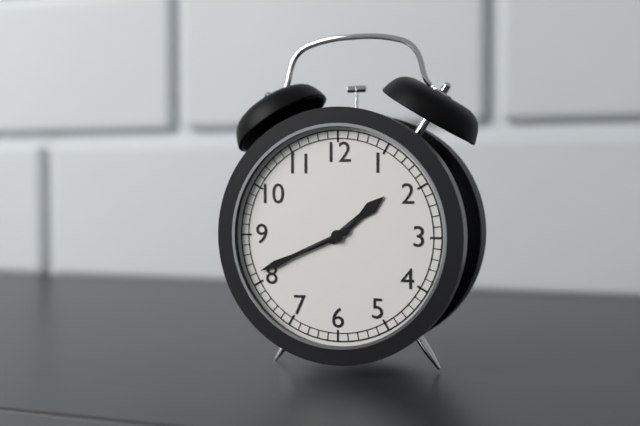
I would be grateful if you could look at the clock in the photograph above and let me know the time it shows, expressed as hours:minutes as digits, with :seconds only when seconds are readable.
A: 1:41
